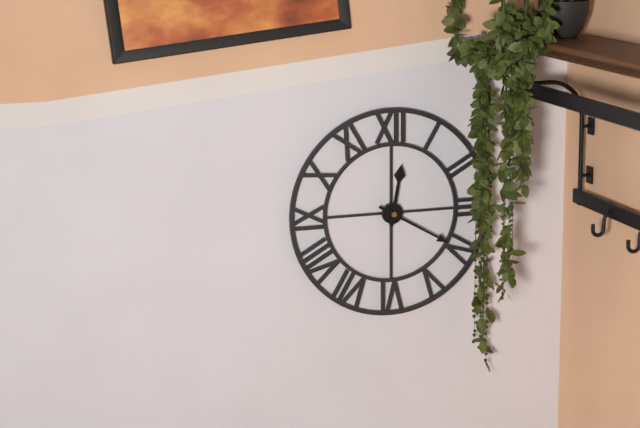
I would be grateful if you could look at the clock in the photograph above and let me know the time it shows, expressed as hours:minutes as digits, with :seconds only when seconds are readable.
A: 12:20
